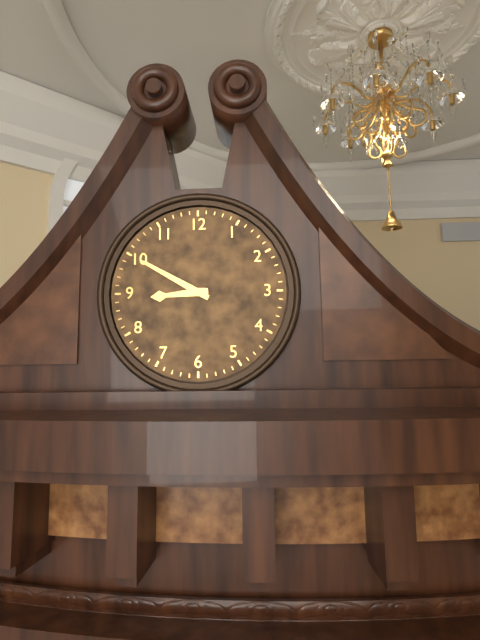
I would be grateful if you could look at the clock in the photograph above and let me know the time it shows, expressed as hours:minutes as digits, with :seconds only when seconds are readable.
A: 8:50
